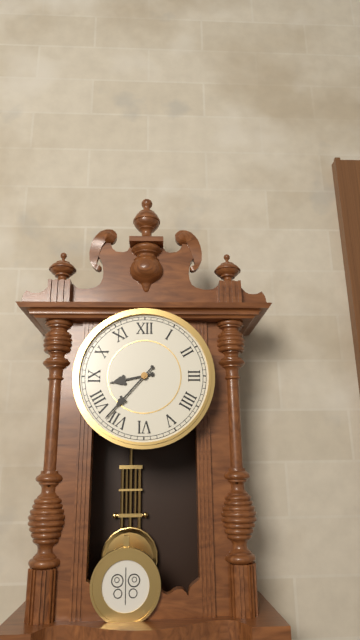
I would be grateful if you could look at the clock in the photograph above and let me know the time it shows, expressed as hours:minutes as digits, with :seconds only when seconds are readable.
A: 8:37
